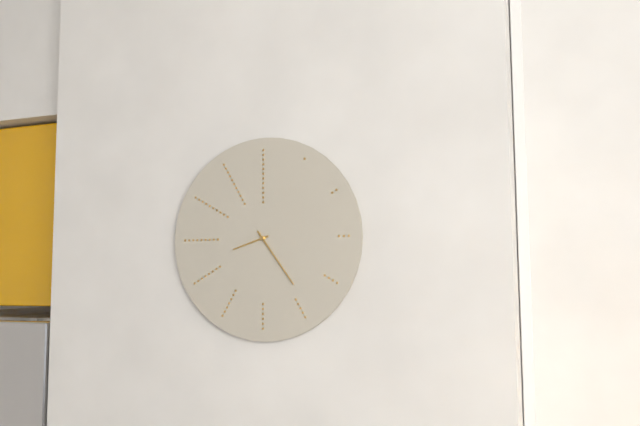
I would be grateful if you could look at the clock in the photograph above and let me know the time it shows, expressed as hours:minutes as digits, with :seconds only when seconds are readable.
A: 8:24
